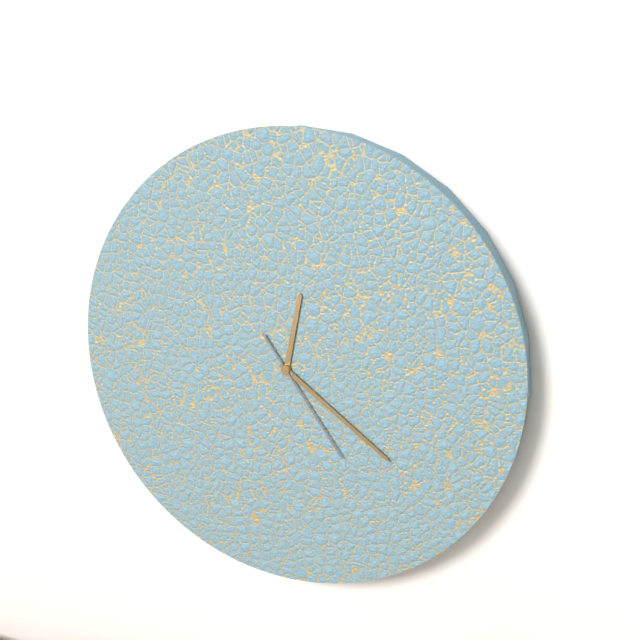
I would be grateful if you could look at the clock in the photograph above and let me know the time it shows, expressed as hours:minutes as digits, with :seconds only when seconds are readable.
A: 12:21:24
